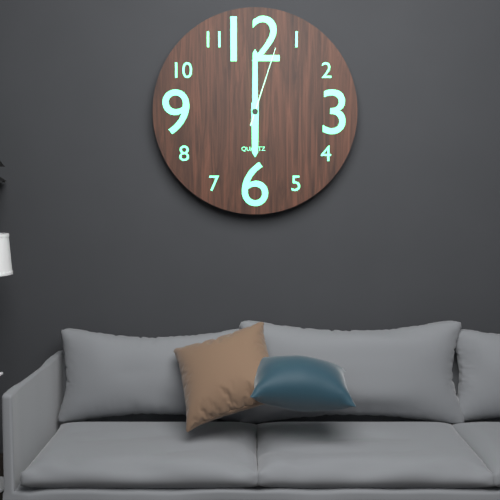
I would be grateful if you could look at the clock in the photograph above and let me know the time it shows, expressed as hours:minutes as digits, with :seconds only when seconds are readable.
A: 6:00:03
